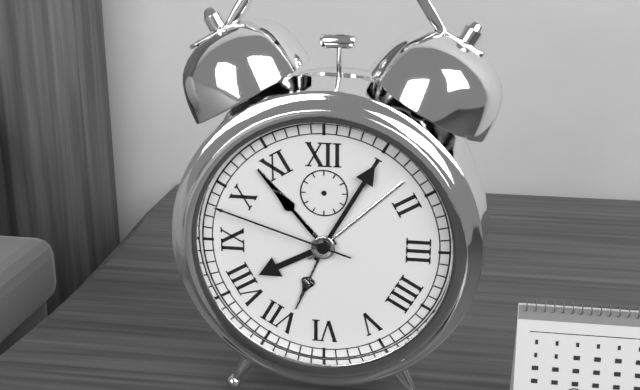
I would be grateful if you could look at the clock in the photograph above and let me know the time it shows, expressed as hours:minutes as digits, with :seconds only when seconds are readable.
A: 8:05:48
